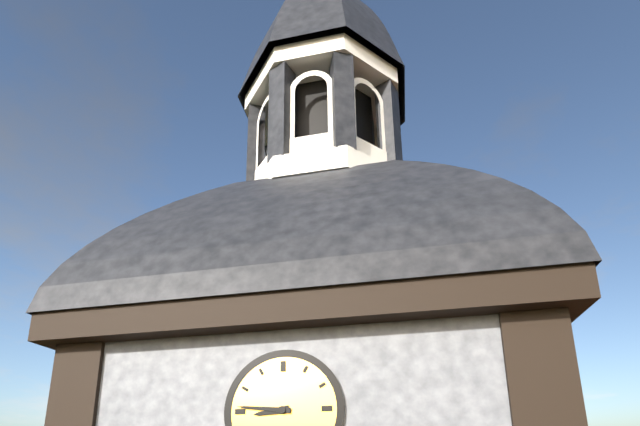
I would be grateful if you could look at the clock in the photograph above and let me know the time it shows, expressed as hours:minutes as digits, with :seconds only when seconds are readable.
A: 8:46
